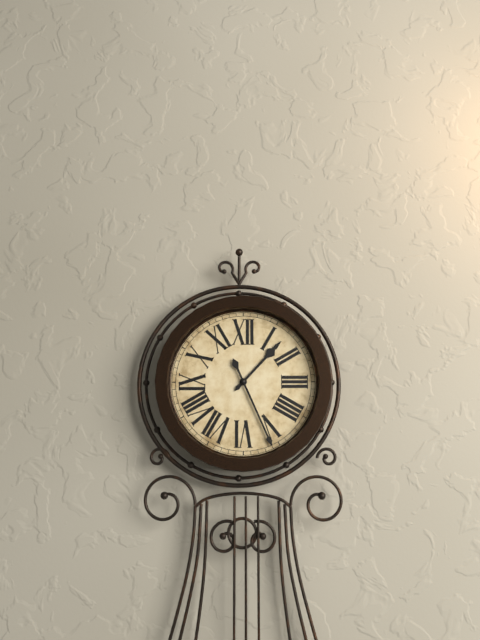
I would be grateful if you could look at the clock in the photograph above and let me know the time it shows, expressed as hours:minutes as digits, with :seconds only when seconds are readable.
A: 1:26
